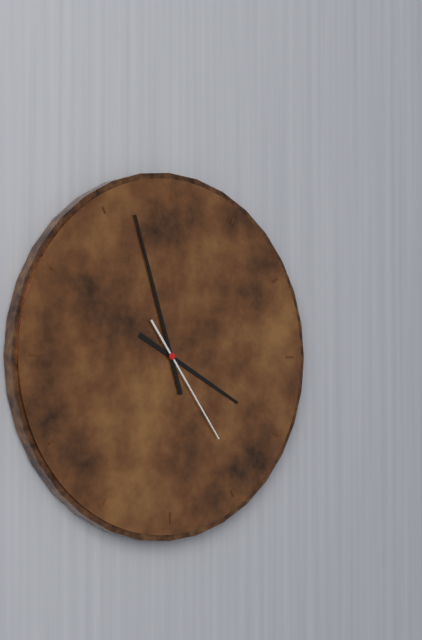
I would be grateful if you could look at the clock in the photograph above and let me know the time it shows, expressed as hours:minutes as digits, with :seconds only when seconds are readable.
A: 3:57:24
